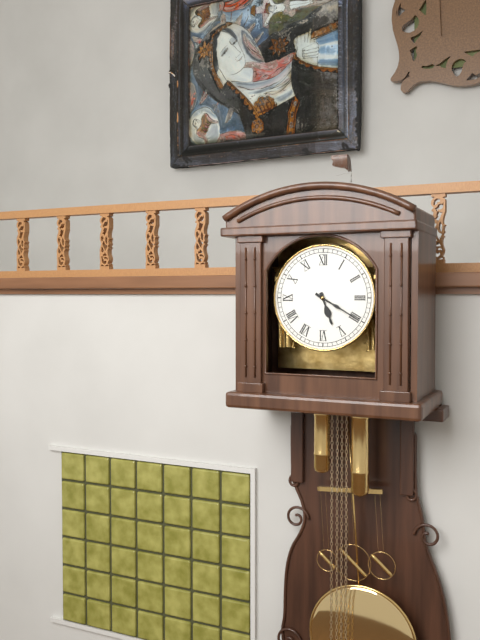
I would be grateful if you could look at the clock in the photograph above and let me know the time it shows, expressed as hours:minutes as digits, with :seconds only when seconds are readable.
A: 5:20
